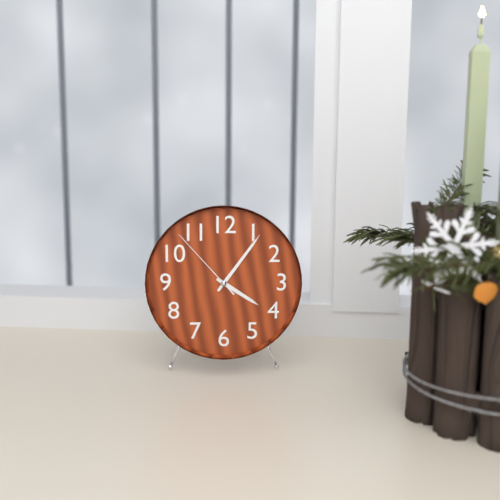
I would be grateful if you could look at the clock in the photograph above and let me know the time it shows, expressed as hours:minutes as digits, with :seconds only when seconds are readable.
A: 4:06:53
